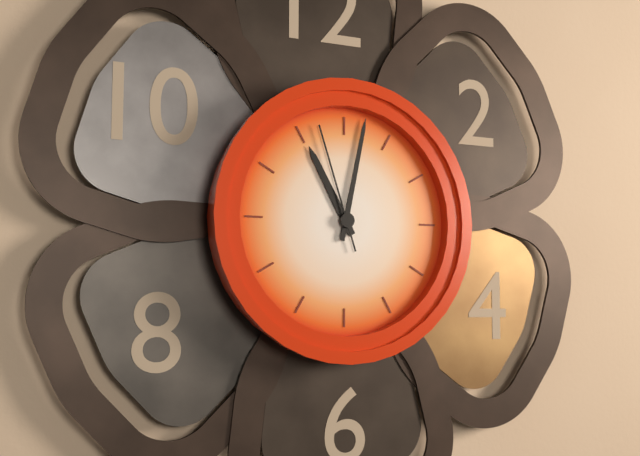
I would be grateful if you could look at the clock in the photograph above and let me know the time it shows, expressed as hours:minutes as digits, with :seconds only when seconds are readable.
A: 11:02:57
